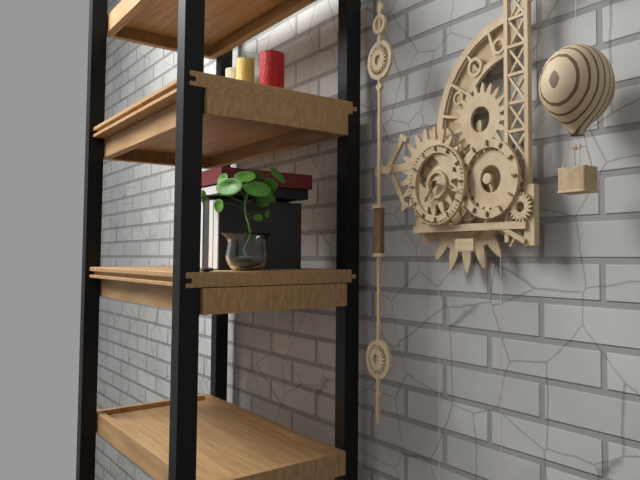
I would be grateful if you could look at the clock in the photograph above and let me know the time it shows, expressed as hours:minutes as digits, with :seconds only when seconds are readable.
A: 7:17
